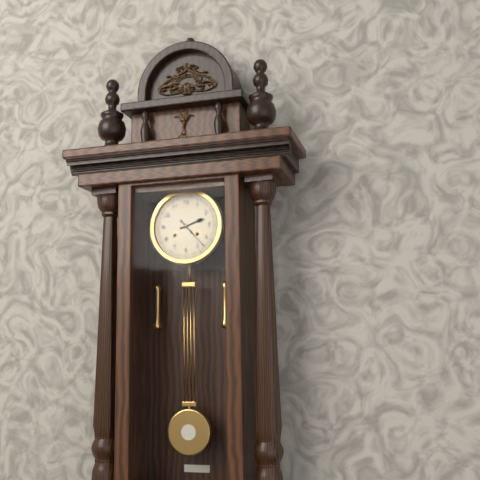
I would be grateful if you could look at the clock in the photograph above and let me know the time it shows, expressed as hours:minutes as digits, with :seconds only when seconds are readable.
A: 2:23
